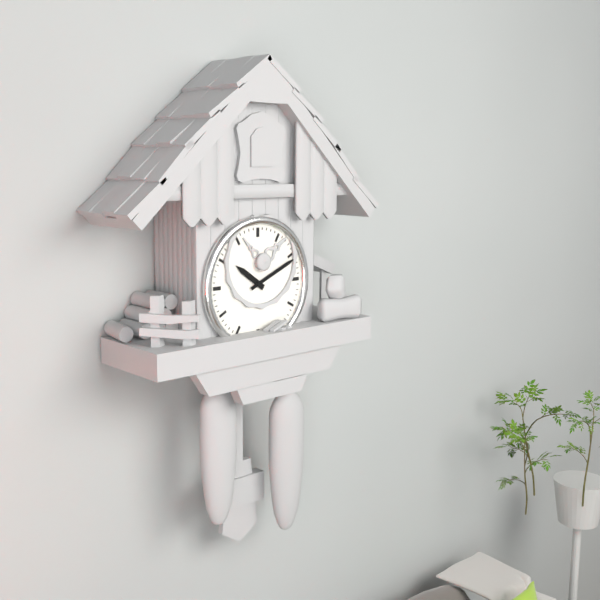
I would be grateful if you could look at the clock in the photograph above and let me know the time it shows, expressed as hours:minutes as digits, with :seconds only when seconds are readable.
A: 10:11
